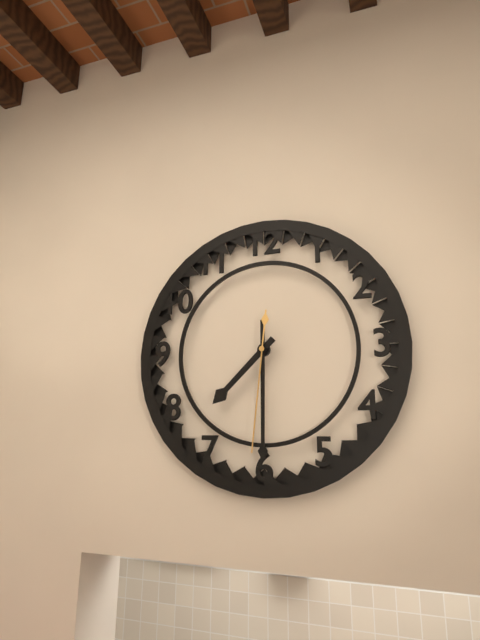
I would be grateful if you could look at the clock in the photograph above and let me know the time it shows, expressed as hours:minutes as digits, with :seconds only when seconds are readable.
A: 7:30:31
